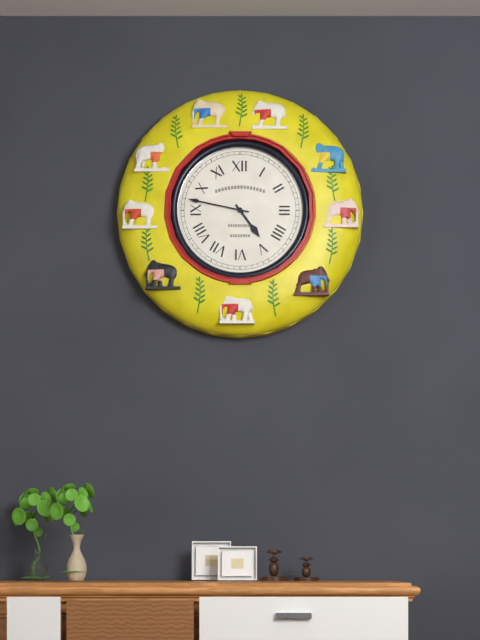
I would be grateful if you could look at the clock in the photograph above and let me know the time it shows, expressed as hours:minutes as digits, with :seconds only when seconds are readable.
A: 4:47
